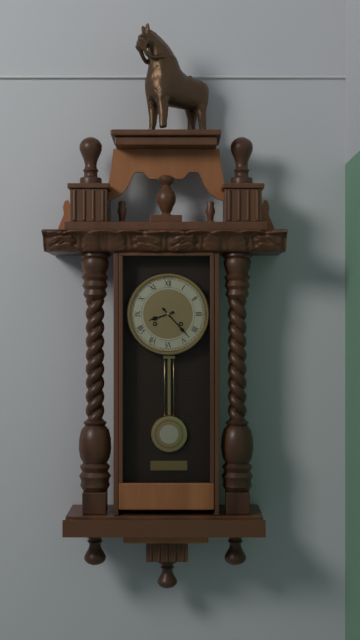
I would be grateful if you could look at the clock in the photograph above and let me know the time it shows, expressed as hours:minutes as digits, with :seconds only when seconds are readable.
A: 8:23
